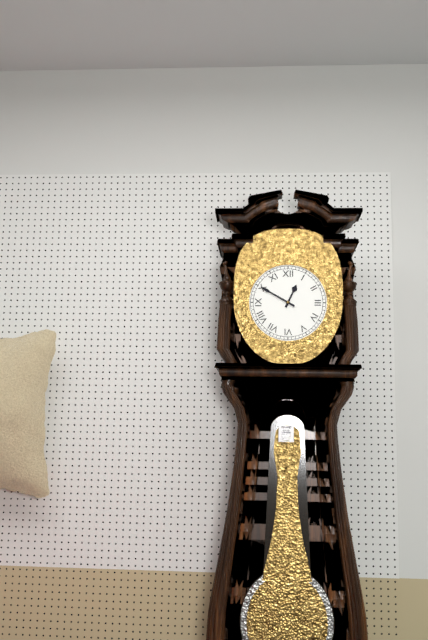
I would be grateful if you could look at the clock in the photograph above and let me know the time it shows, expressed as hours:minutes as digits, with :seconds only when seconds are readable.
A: 12:50
